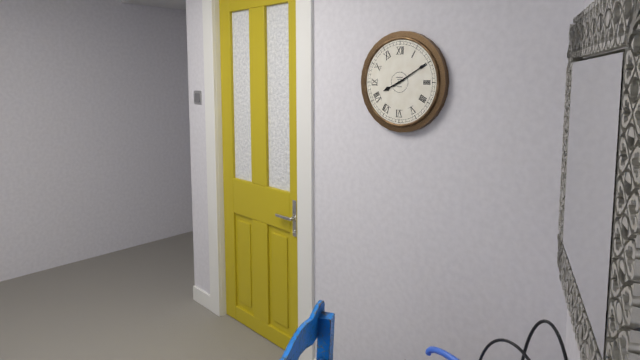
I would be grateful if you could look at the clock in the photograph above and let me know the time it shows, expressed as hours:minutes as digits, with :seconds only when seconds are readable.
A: 8:10
